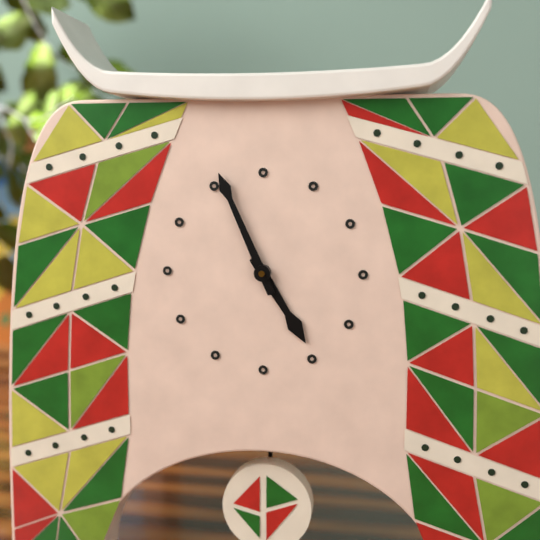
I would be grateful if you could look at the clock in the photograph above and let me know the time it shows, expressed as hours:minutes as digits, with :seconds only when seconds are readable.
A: 4:56
